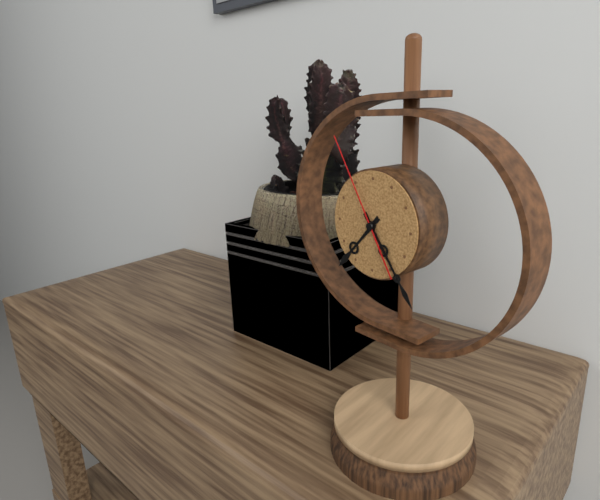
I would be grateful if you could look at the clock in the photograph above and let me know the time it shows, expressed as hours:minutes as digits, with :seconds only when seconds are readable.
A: 7:24:55
